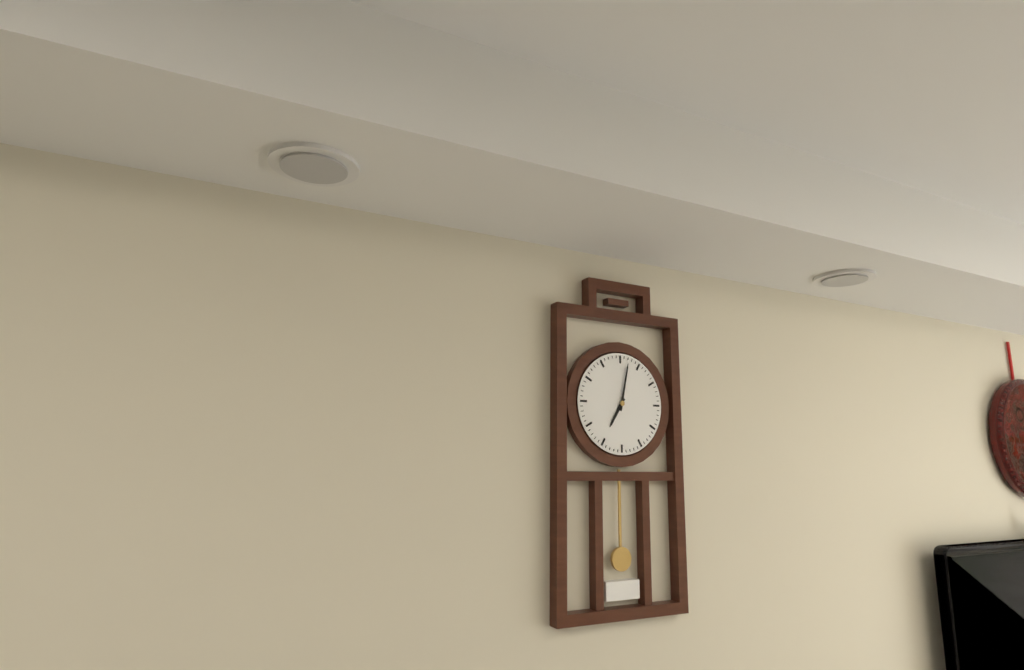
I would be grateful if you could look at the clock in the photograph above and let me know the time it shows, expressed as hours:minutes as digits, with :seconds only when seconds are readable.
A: 7:02
